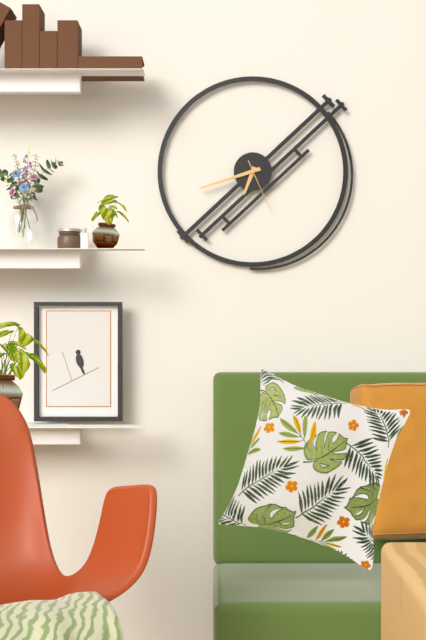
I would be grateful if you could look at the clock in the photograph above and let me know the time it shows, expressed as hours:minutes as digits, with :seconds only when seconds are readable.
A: 6:42:26
